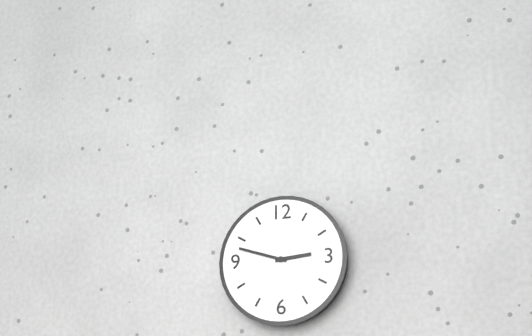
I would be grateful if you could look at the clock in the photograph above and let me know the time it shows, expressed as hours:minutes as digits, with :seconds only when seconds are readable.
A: 2:48
